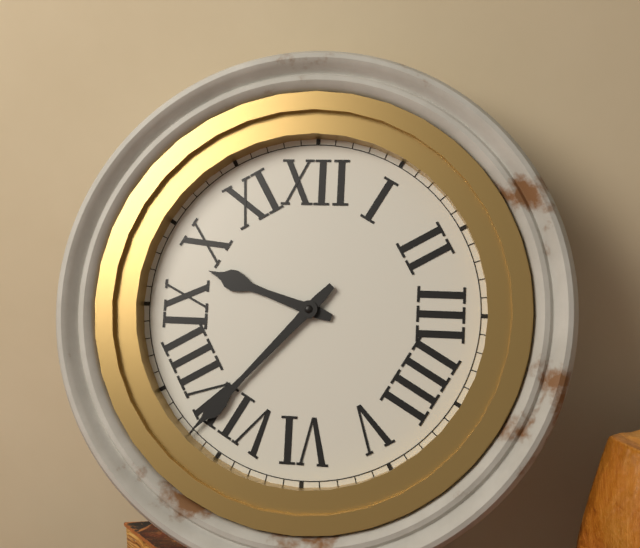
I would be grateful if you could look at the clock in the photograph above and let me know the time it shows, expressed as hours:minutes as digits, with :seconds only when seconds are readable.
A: 9:37
